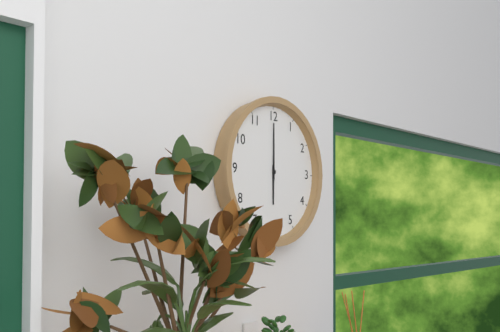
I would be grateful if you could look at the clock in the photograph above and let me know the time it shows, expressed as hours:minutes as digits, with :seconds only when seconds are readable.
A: 6:00
